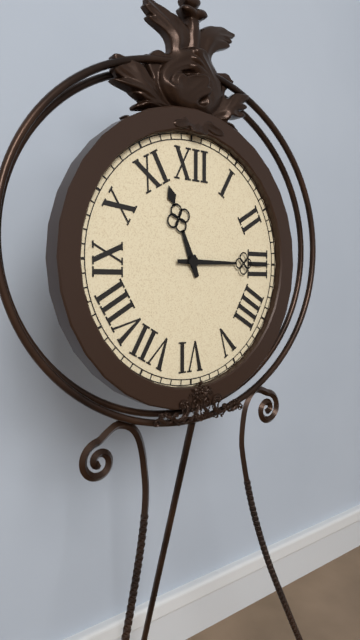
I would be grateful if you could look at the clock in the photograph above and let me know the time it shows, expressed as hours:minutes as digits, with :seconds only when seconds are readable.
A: 11:15
